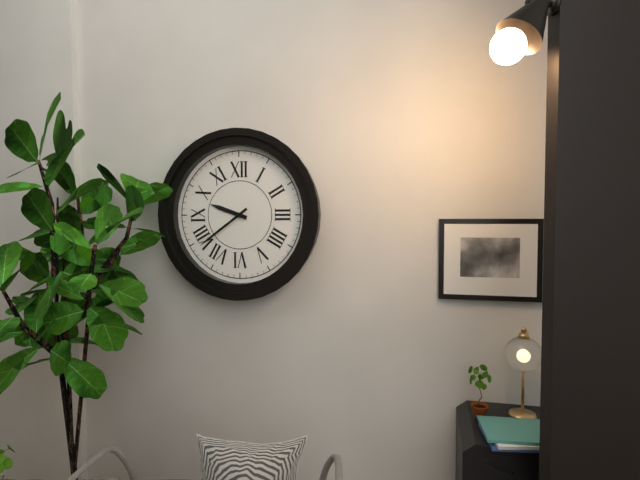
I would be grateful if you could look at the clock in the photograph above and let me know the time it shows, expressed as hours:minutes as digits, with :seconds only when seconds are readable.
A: 9:39
